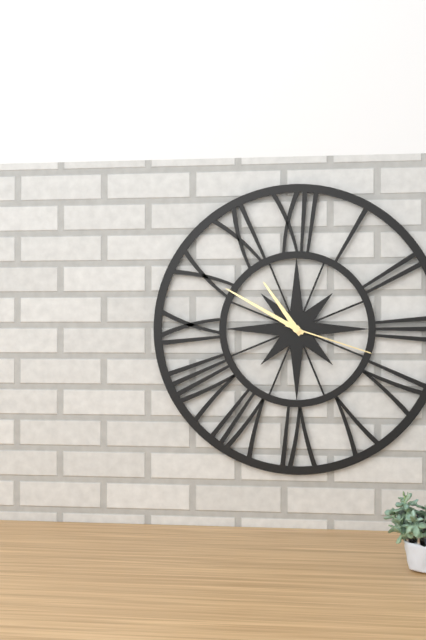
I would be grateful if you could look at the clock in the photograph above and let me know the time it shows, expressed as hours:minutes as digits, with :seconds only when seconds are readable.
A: 10:50:18
